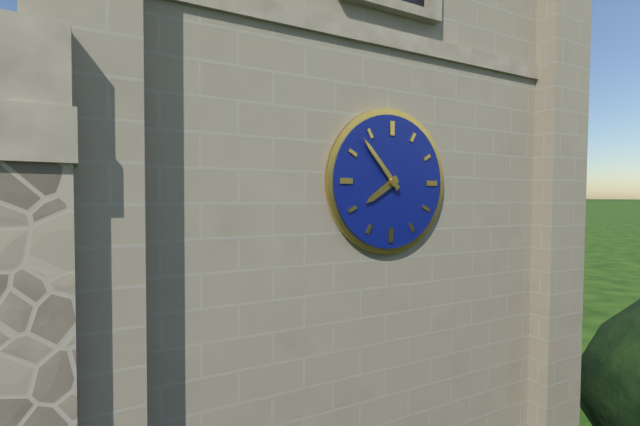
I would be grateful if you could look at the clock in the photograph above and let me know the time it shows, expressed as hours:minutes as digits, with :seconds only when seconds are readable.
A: 7:53
